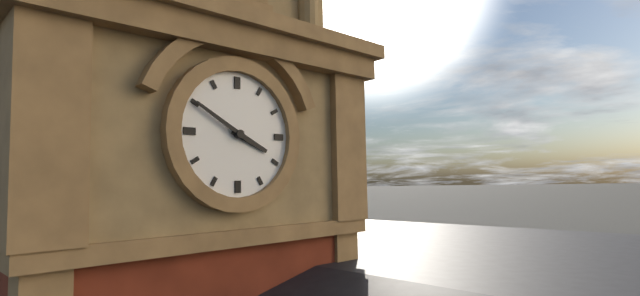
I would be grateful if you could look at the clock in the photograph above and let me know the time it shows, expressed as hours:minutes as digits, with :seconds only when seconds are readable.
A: 3:50
